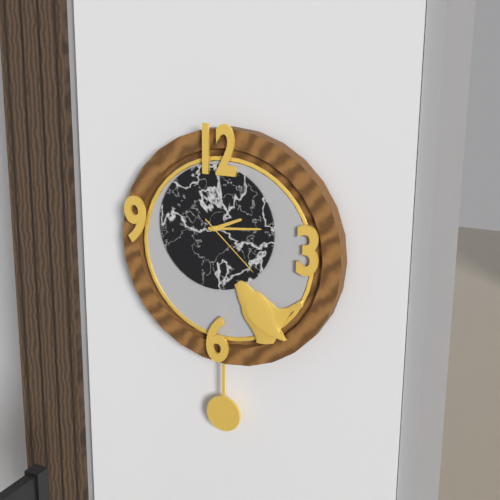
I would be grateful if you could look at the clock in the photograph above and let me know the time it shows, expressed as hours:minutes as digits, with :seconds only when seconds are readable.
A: 2:14:22
